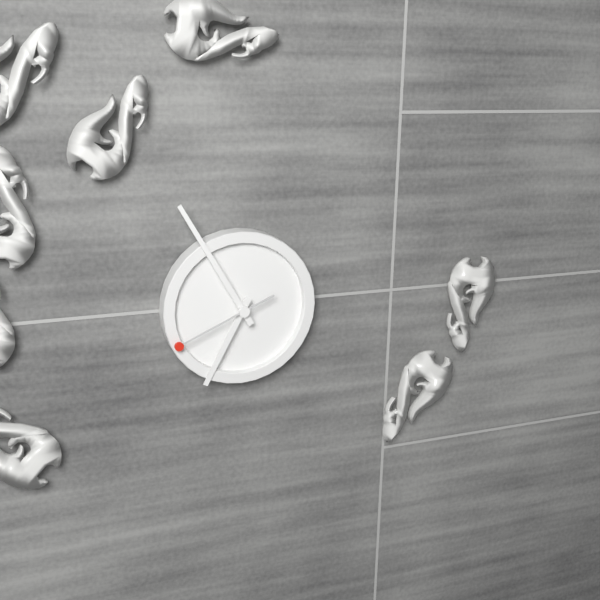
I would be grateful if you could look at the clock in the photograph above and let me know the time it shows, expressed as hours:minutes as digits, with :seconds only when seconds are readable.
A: 6:55:41
